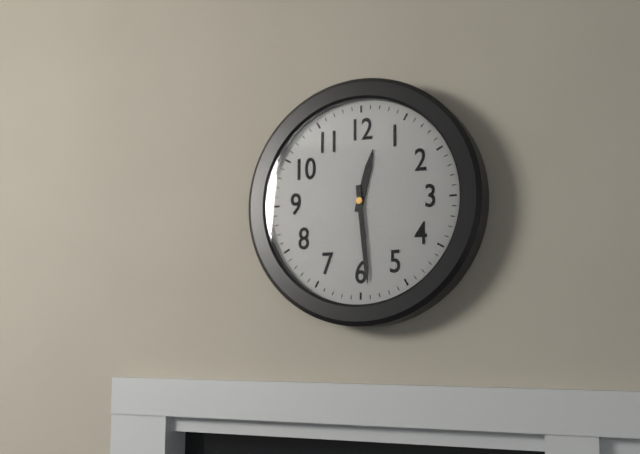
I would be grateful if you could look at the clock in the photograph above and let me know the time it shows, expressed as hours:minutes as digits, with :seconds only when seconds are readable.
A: 12:29
